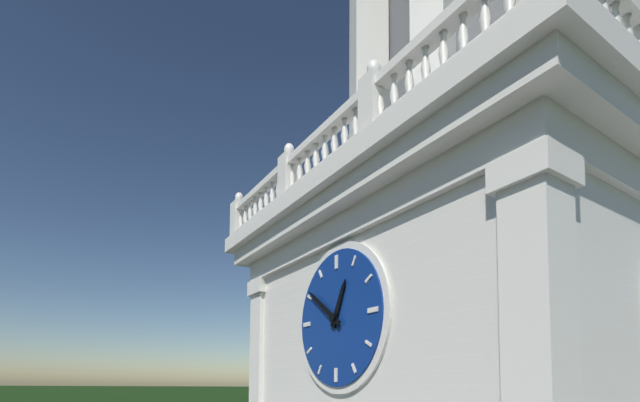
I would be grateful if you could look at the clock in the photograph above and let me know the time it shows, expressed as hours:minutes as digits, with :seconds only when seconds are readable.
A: 12:51
